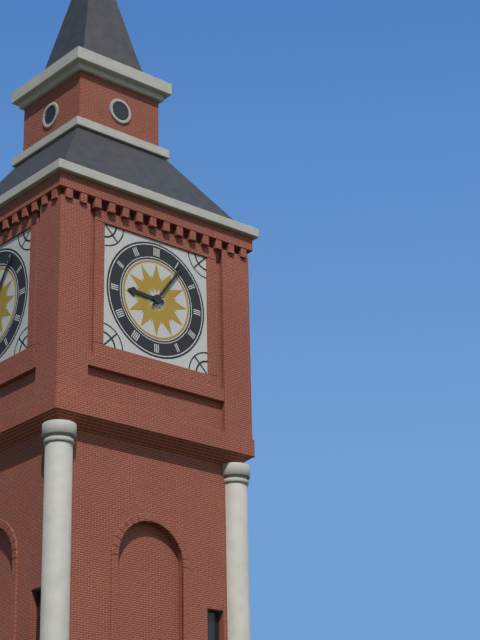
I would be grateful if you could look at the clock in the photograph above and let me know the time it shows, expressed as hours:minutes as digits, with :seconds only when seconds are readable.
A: 9:06
